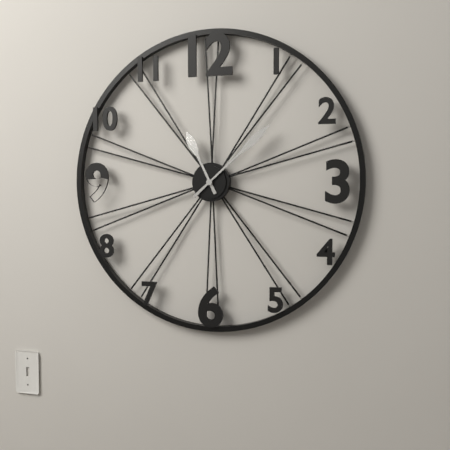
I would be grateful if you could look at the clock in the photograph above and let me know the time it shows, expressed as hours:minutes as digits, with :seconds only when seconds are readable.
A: 11:08
